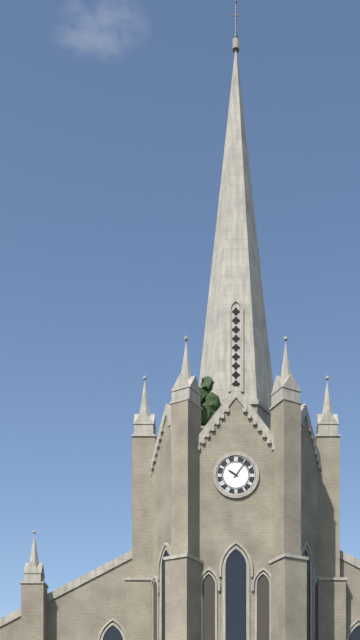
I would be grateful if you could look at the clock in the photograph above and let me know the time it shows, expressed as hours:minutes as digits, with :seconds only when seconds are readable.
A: 10:06
